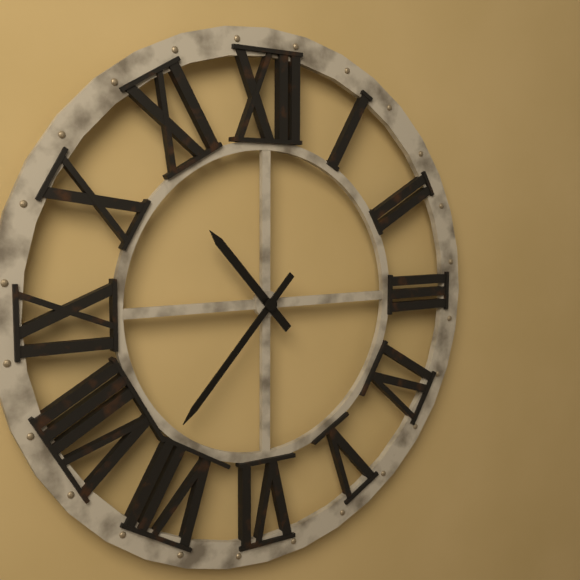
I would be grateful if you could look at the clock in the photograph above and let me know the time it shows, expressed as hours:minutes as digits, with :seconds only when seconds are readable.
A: 10:37
